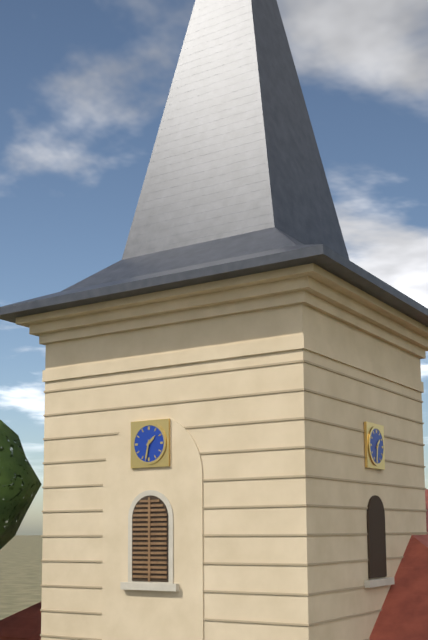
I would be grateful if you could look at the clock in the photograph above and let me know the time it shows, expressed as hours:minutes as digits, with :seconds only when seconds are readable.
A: 1:32
